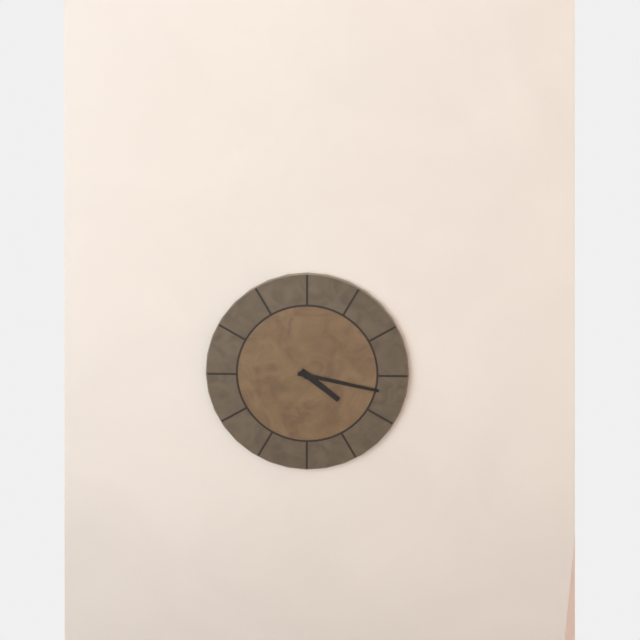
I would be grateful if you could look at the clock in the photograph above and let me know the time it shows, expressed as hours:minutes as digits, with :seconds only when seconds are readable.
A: 4:17
